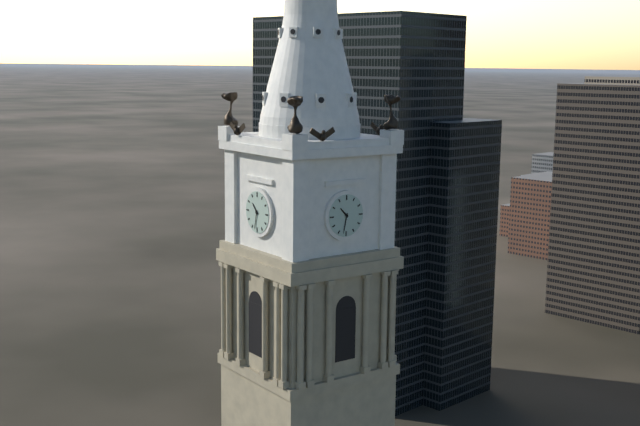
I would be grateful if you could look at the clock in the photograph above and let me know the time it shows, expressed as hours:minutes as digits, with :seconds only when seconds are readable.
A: 10:32
